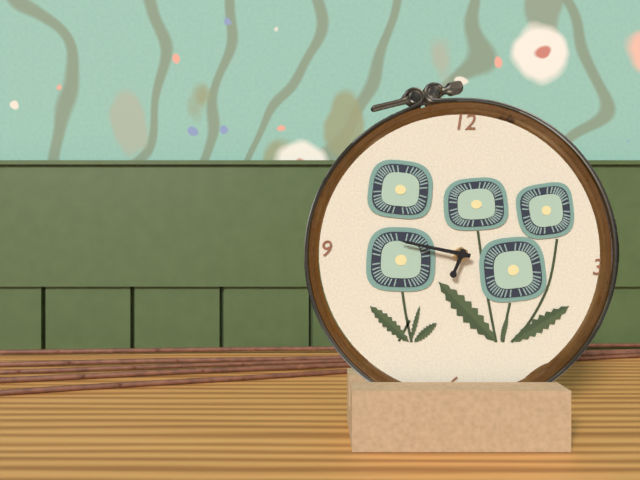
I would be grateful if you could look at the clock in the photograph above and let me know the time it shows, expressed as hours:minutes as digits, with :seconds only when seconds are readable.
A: 6:47
